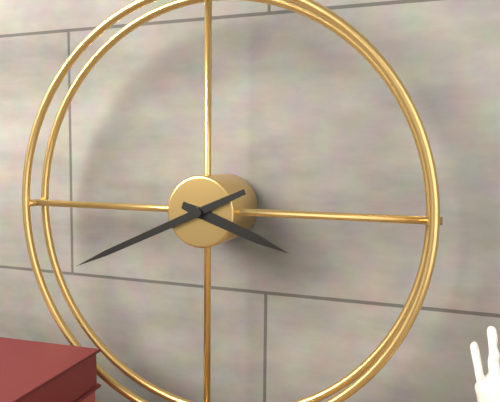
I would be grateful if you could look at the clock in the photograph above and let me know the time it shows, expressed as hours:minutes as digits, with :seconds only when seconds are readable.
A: 3:41
